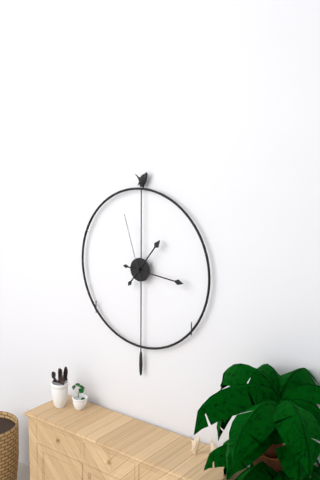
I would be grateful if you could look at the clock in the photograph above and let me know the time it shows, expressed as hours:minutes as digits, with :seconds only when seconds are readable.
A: 1:16:57
